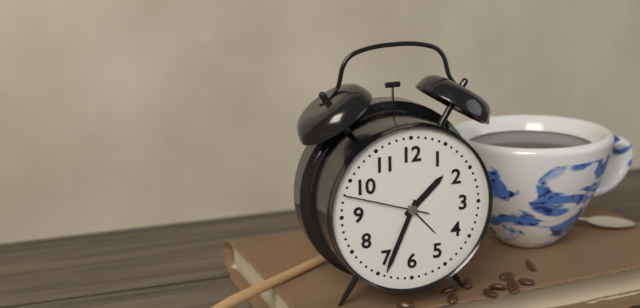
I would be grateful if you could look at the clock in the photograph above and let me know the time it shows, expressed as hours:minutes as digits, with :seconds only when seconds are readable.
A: 1:34:48
